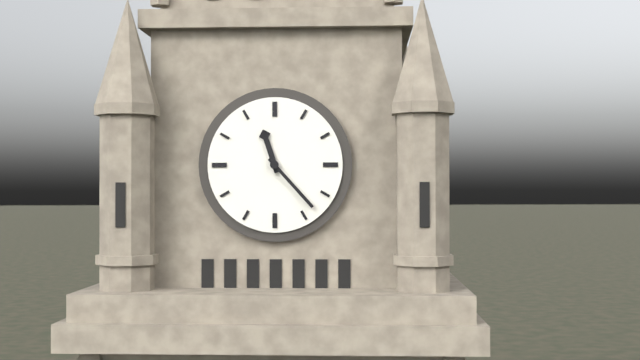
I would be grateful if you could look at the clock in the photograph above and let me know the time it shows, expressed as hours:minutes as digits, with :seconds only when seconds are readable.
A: 11:23
